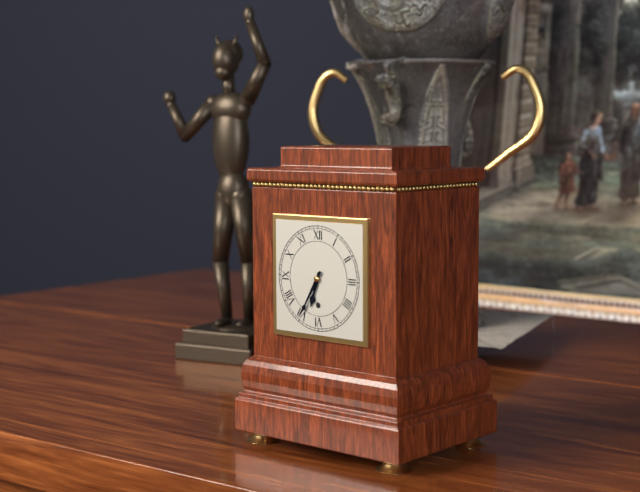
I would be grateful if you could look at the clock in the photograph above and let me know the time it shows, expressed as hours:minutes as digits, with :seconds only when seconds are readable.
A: 6:35
